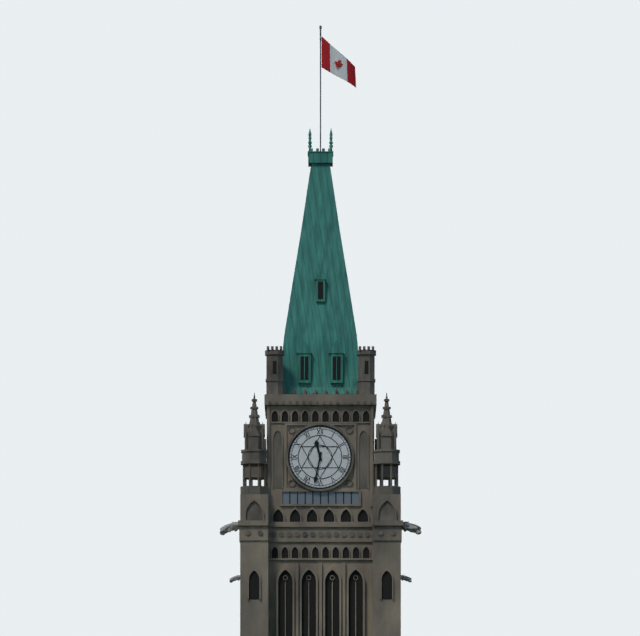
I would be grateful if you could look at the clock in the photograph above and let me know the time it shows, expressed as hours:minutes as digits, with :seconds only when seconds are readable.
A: 11:32
